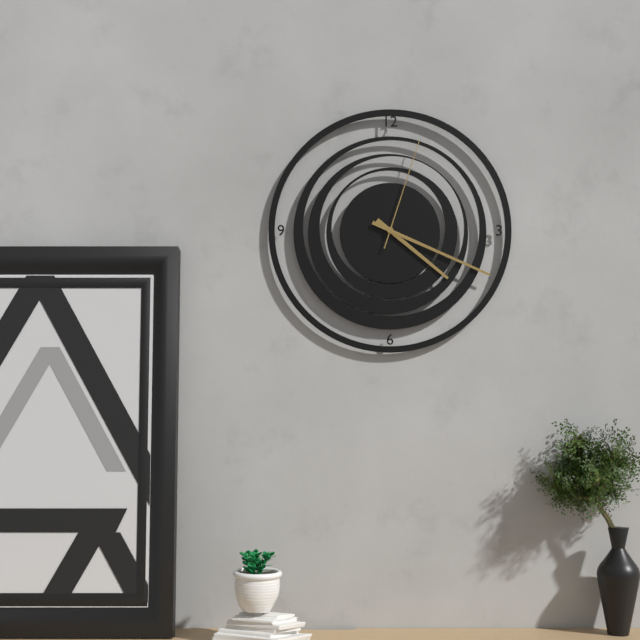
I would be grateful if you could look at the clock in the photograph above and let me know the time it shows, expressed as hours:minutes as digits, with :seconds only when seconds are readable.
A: 4:19:03
